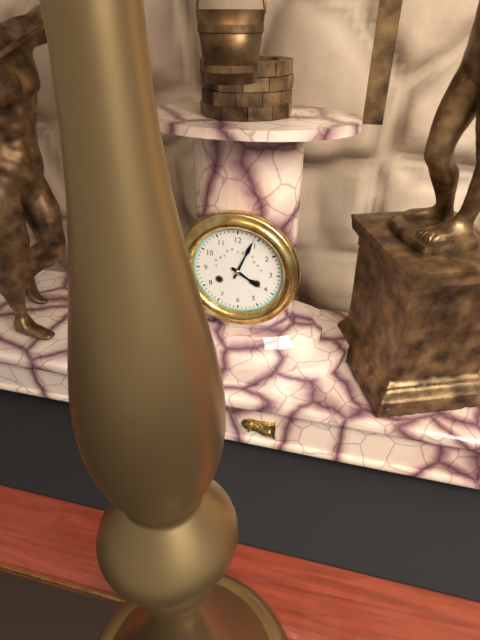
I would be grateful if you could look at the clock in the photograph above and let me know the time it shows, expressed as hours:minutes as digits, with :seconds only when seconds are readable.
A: 4:04
